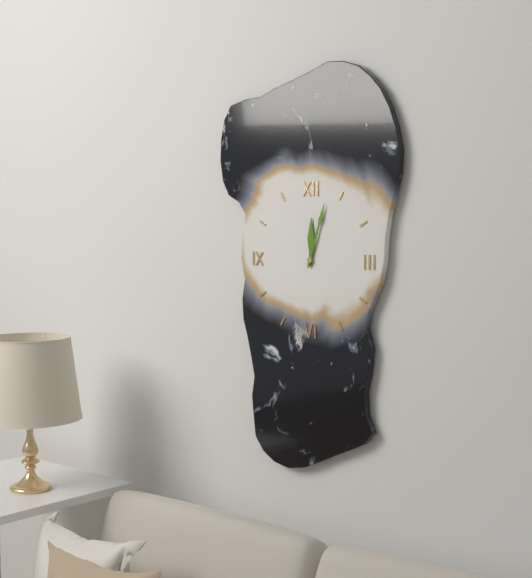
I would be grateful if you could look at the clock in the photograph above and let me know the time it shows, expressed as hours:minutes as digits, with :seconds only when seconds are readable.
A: 12:03
